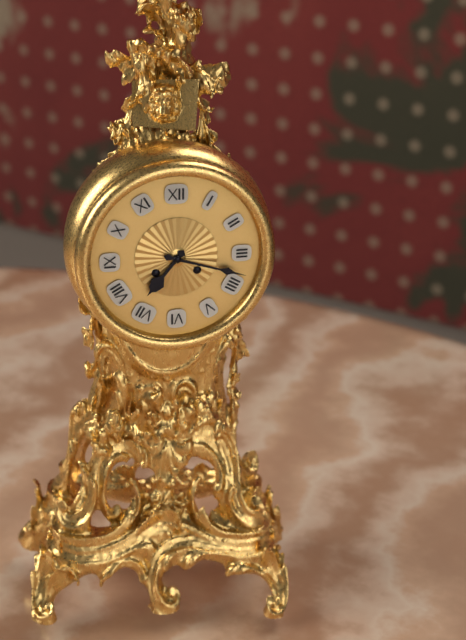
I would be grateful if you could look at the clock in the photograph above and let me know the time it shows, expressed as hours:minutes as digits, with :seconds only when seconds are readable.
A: 7:18
